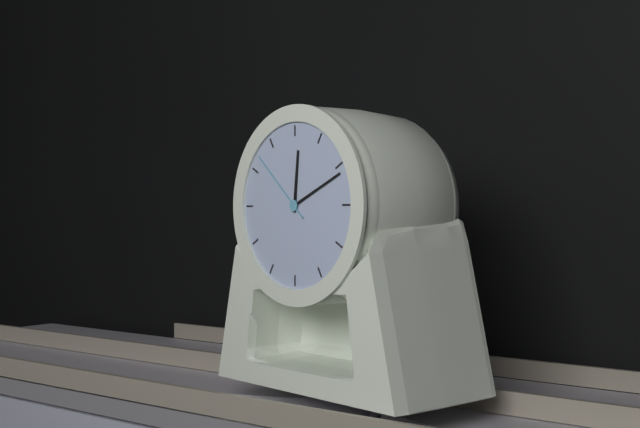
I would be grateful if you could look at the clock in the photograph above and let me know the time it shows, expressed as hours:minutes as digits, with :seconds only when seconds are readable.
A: 12:11:52
